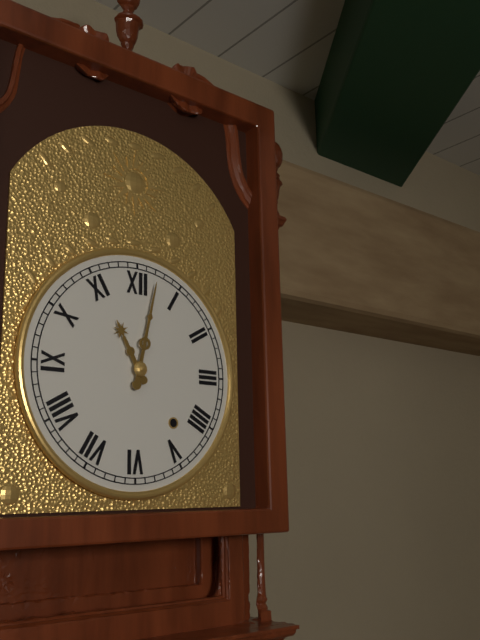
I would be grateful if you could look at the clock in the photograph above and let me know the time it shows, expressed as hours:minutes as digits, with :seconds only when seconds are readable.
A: 11:02
